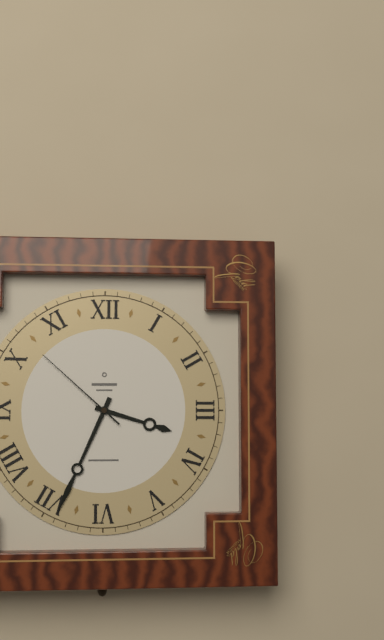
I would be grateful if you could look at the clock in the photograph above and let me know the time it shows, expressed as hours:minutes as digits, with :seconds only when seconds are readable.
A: 3:34:52
